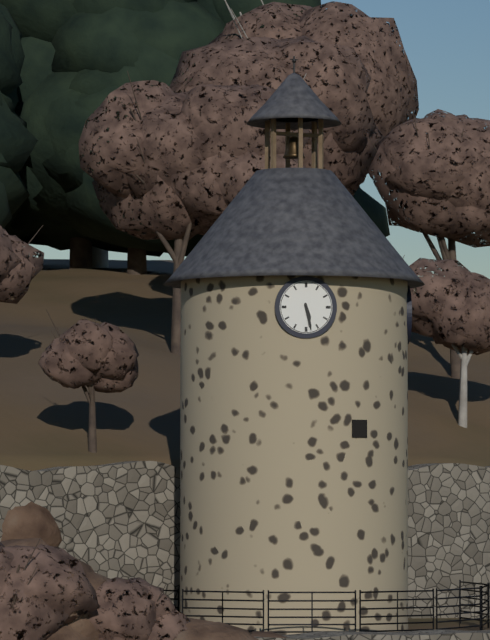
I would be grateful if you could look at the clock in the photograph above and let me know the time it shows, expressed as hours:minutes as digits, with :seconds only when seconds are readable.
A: 5:28
